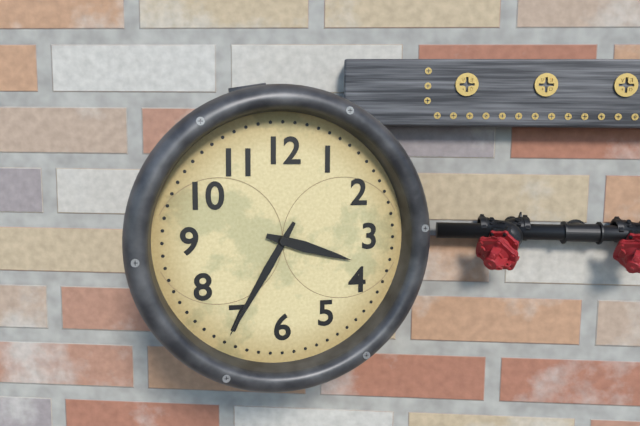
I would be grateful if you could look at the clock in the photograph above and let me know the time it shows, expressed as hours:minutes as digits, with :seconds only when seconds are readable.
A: 3:35
